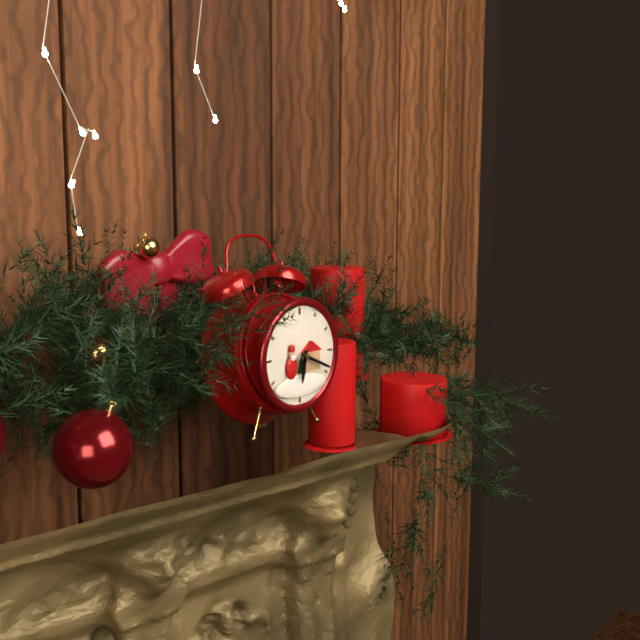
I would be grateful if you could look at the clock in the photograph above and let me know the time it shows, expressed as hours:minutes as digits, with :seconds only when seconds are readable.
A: 6:19
